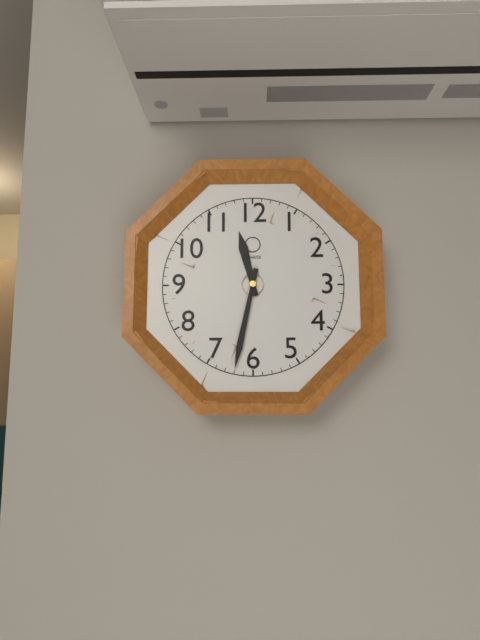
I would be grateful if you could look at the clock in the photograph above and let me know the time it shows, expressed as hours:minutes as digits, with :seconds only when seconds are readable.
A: 11:32
